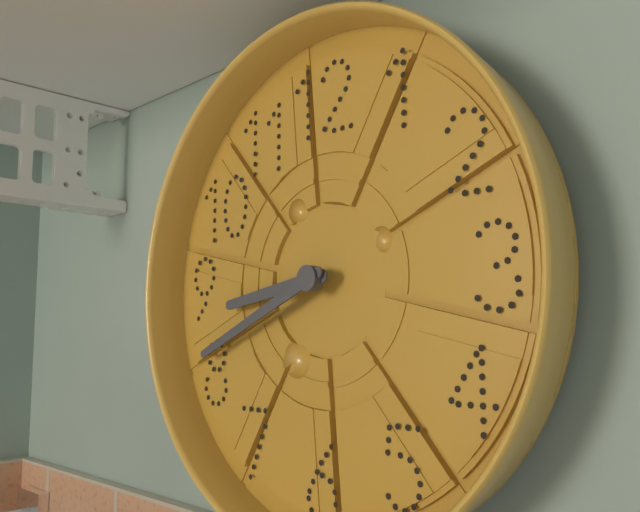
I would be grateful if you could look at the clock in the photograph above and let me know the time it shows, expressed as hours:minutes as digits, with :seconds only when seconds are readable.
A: 8:41
